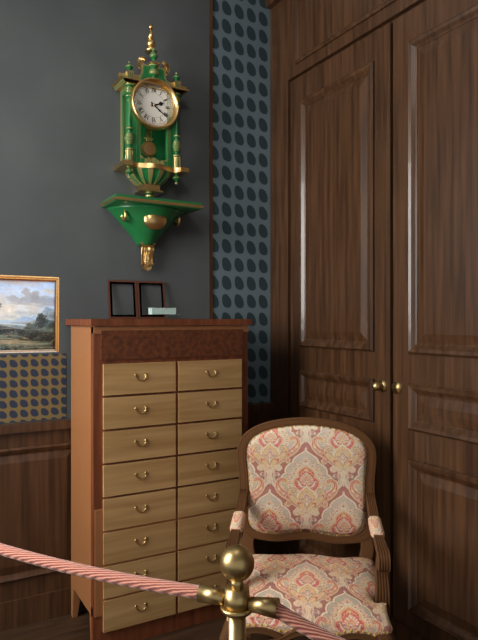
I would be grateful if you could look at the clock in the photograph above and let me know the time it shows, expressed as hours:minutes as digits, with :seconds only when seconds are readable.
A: 2:21
